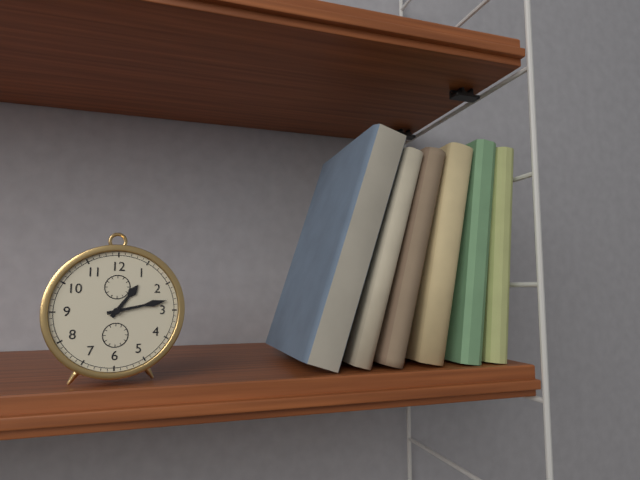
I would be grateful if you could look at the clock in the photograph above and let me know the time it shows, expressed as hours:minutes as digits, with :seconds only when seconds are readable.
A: 1:13
